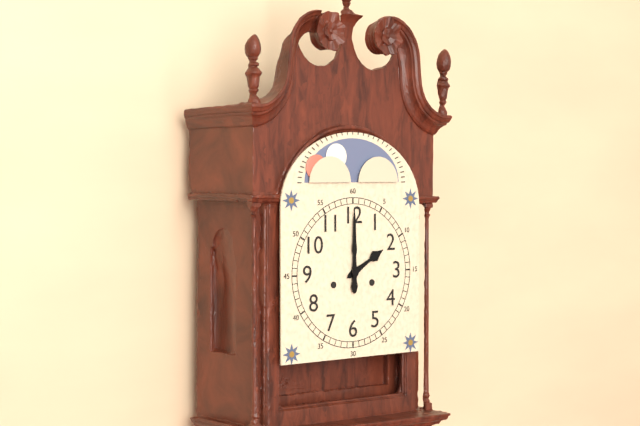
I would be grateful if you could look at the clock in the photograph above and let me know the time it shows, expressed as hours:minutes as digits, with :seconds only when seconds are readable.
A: 2:00
